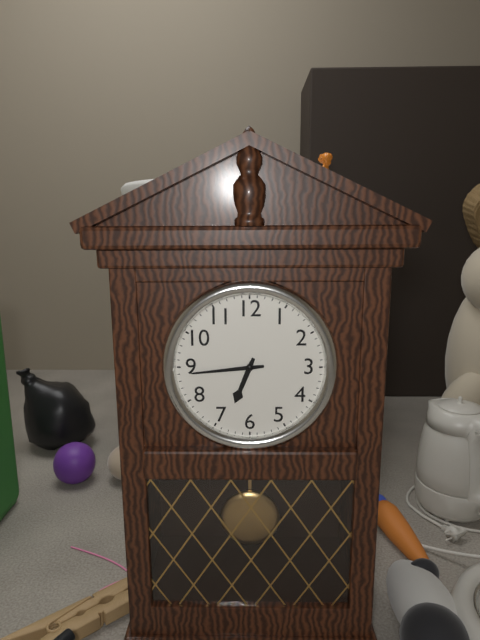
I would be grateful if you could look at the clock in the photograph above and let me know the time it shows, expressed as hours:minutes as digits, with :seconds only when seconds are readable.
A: 6:44
